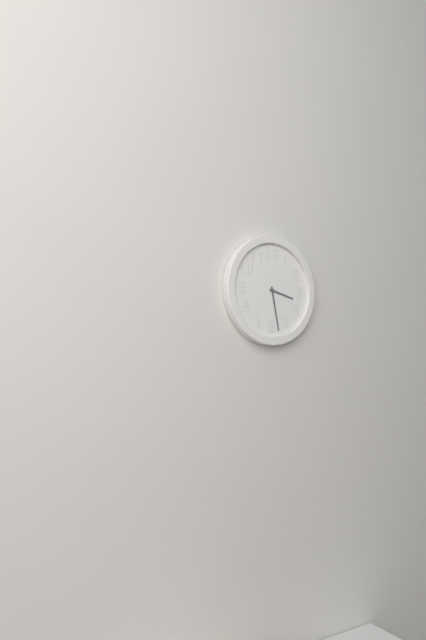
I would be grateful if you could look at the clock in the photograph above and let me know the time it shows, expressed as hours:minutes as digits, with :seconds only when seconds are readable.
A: 3:28
